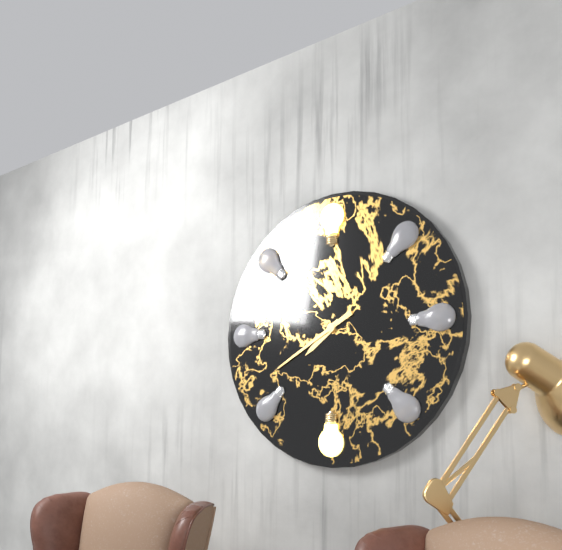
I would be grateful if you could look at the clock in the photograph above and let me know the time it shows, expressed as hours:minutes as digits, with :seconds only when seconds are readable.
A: 7:40
